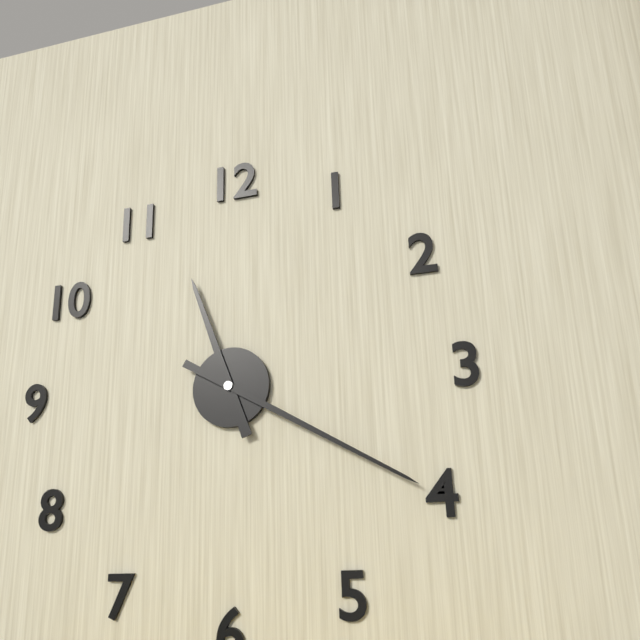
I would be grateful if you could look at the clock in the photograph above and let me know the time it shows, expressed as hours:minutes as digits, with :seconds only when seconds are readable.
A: 11:20
